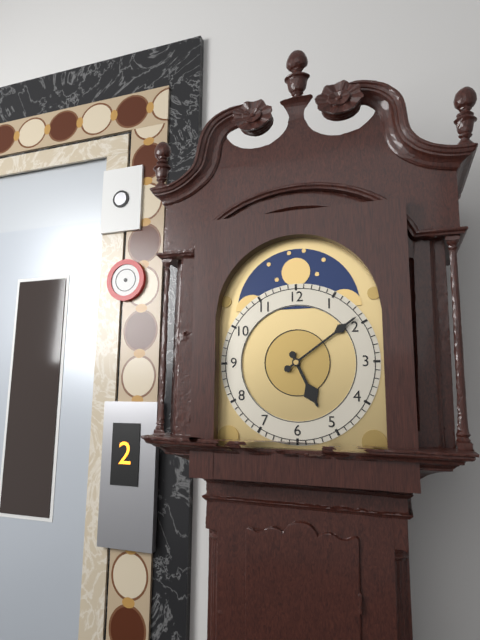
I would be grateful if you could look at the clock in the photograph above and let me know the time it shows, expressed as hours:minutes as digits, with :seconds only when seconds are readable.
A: 5:09
